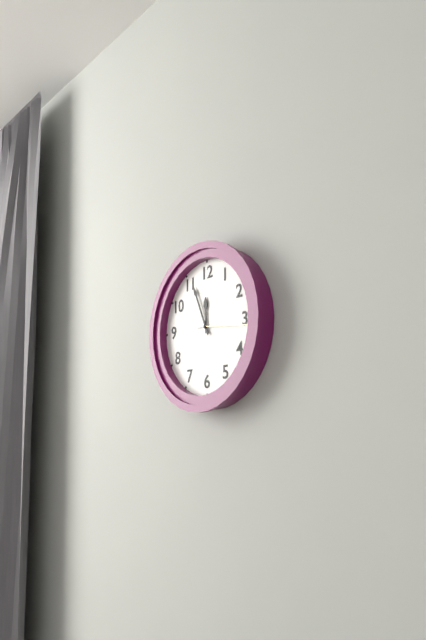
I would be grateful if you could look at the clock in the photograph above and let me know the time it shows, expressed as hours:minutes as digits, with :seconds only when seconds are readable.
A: 11:56:16
